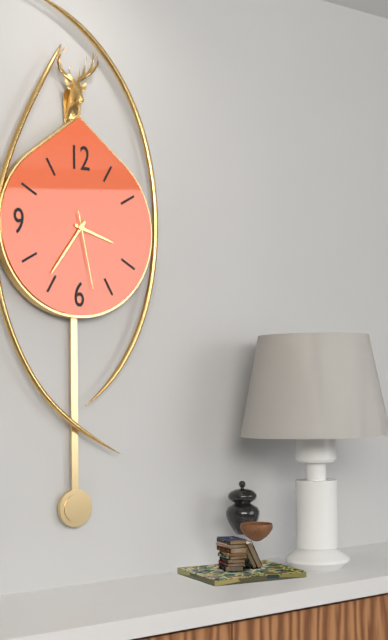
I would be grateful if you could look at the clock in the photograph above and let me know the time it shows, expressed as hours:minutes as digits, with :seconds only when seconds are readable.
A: 3:36:28
